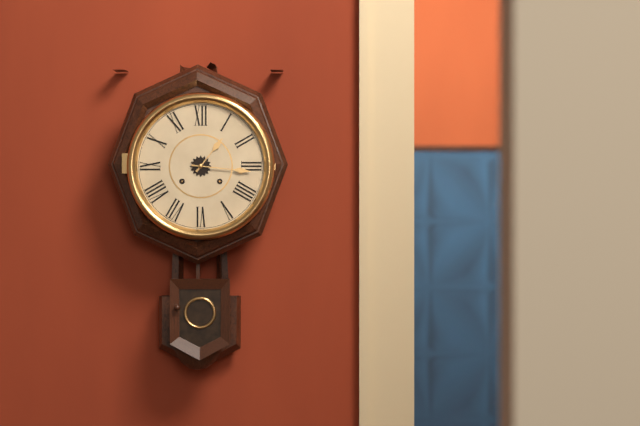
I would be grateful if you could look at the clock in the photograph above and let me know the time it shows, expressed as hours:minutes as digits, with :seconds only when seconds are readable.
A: 1:16
